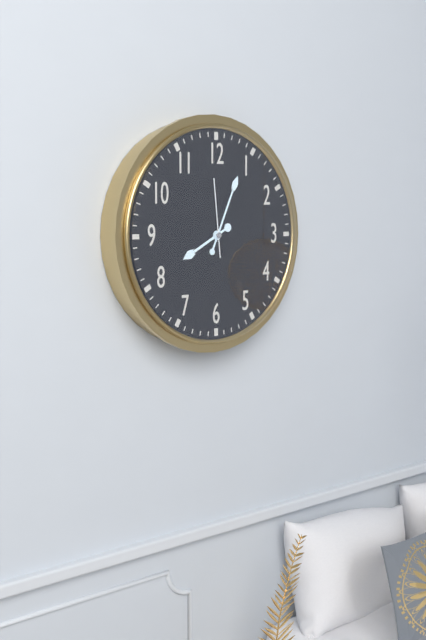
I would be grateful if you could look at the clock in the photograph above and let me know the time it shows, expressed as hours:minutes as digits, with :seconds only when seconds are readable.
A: 8:04:59
